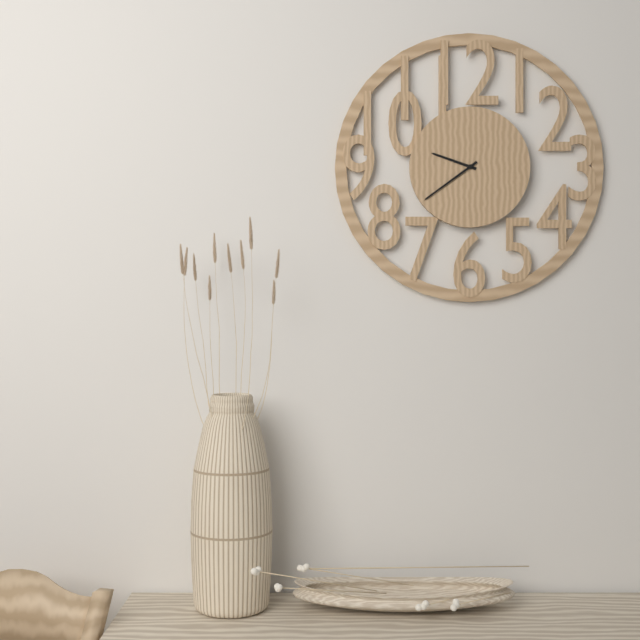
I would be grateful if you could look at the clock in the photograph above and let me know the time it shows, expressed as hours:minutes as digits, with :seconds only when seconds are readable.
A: 9:39
